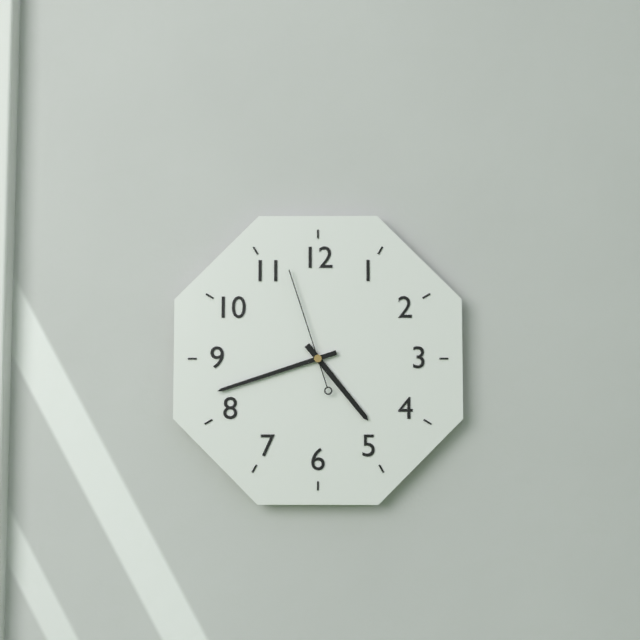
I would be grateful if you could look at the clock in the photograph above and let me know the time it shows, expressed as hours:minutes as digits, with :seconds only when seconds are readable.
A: 4:42:57
